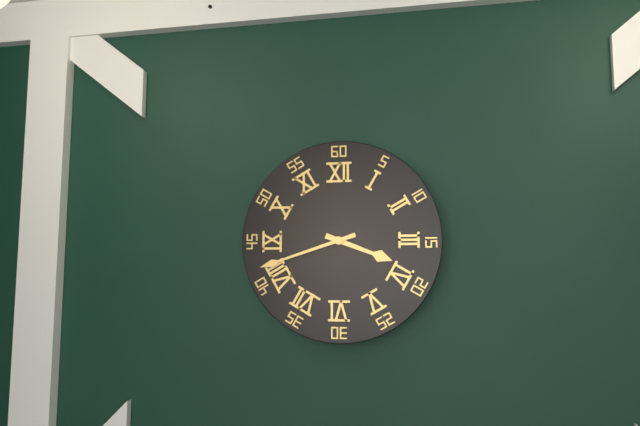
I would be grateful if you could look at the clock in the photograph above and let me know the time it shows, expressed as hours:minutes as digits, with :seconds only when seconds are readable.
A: 3:42
